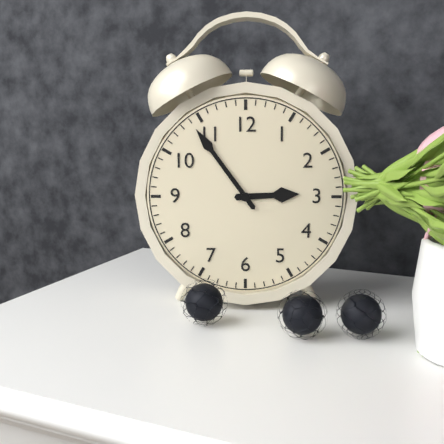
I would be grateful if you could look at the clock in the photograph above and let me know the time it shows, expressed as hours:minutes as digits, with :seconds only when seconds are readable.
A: 2:54
